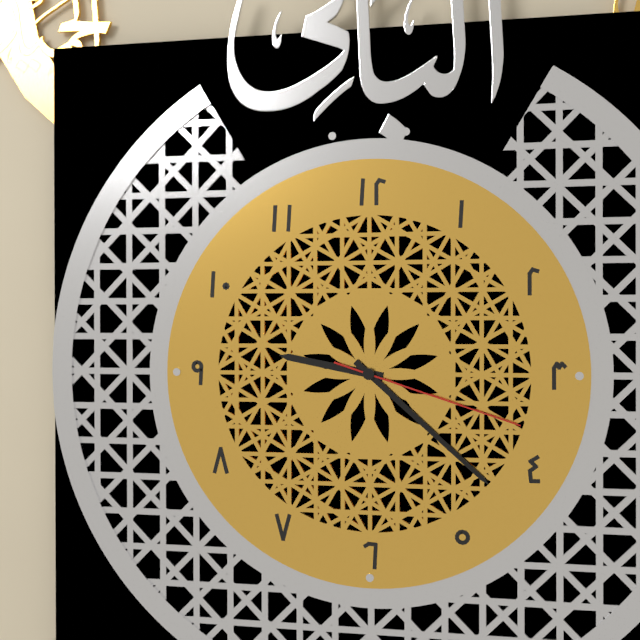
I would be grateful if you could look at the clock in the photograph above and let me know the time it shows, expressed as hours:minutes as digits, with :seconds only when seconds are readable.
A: 9:22:18
